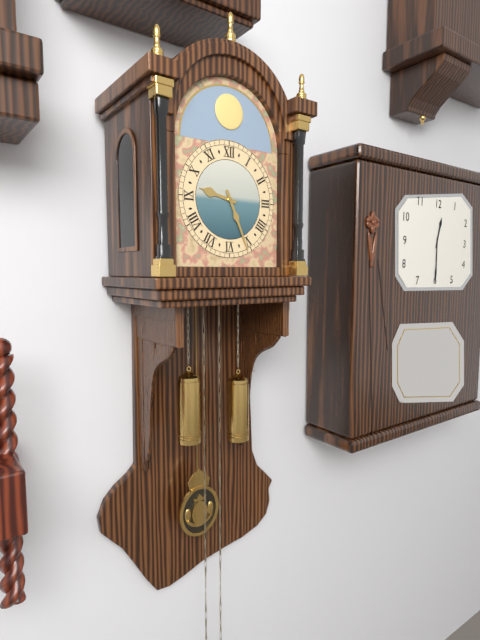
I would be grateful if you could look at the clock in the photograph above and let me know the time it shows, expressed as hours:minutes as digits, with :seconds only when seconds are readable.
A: 9:26
